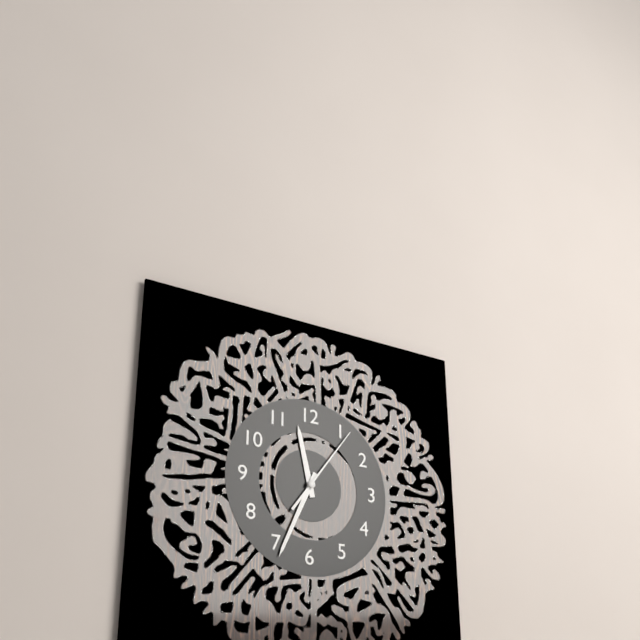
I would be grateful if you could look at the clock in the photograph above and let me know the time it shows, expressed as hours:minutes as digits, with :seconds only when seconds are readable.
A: 11:34:06
